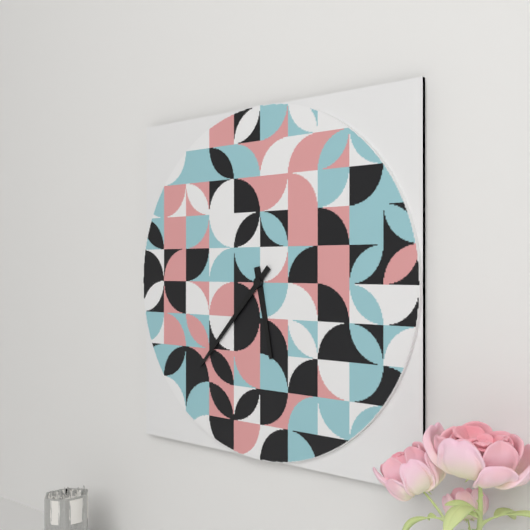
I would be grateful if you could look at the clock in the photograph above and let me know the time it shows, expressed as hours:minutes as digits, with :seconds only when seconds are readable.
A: 5:37
